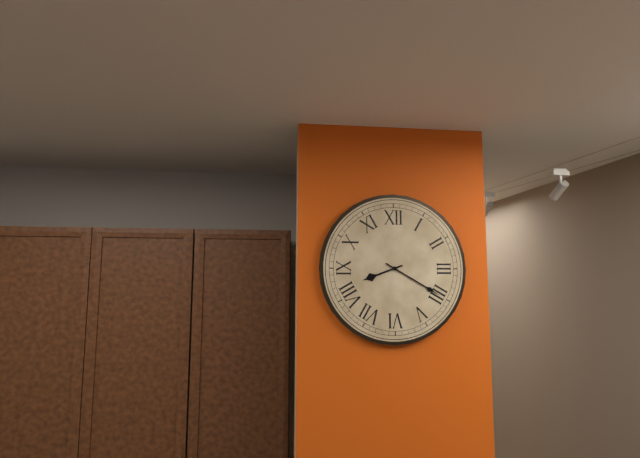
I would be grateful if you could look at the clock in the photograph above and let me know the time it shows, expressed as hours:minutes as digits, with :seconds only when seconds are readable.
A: 8:20
